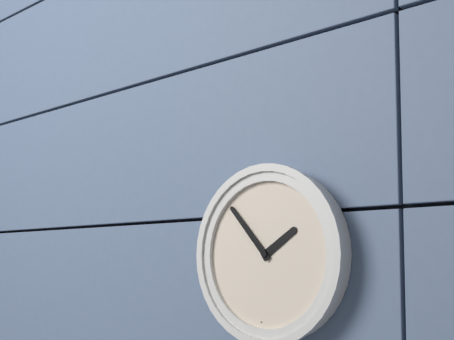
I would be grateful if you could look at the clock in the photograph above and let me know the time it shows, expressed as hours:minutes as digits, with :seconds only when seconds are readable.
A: 1:53
